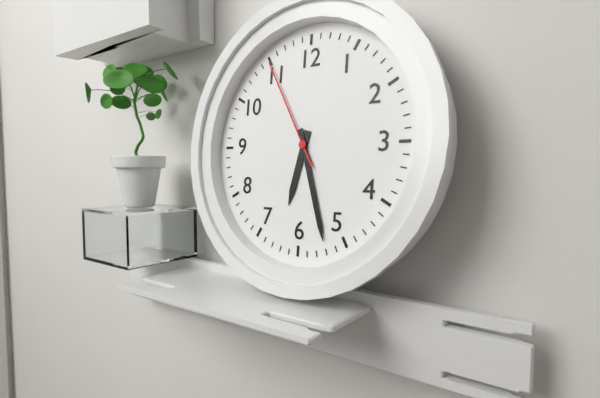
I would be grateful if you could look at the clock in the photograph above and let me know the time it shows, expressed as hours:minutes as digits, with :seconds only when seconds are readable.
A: 6:27:55
